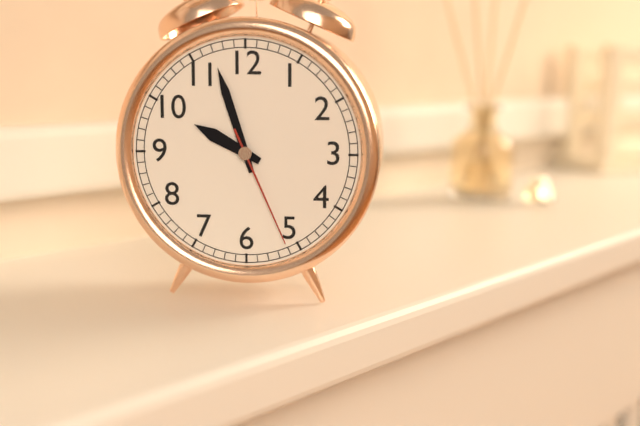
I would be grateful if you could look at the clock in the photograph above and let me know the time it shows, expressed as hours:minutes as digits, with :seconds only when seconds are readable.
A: 9:57:26
